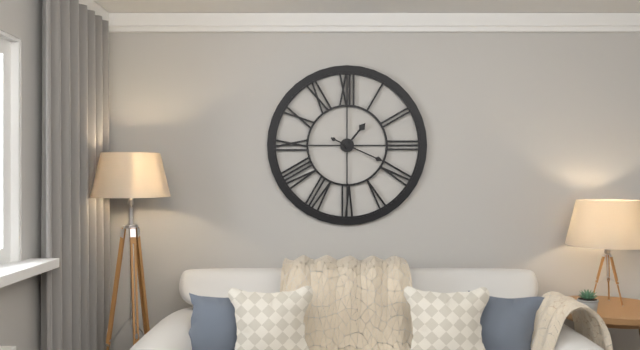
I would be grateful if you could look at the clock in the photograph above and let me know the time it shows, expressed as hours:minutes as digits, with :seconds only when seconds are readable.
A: 1:19
